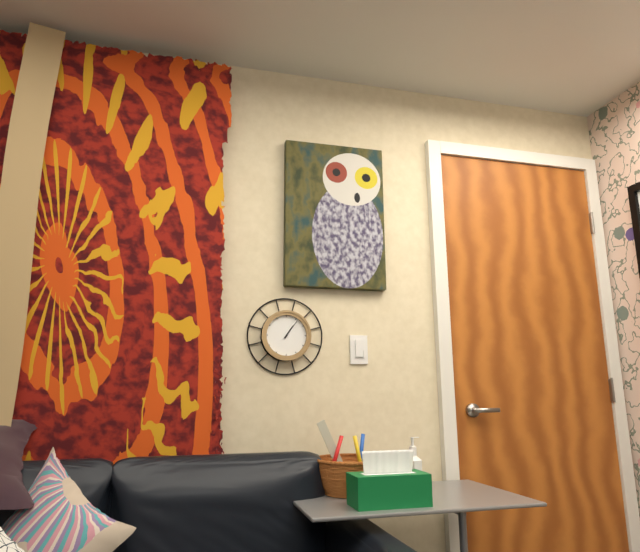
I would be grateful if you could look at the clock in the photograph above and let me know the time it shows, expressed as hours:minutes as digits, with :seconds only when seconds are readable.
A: 1:06
